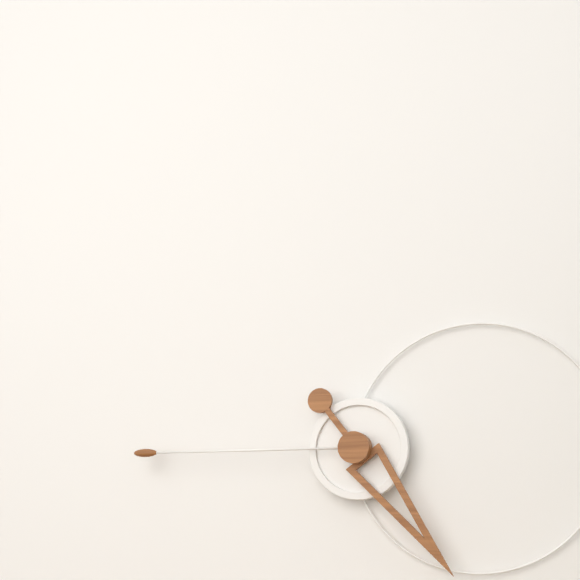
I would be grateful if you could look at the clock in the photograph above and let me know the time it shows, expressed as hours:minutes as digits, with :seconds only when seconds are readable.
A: 4:45
